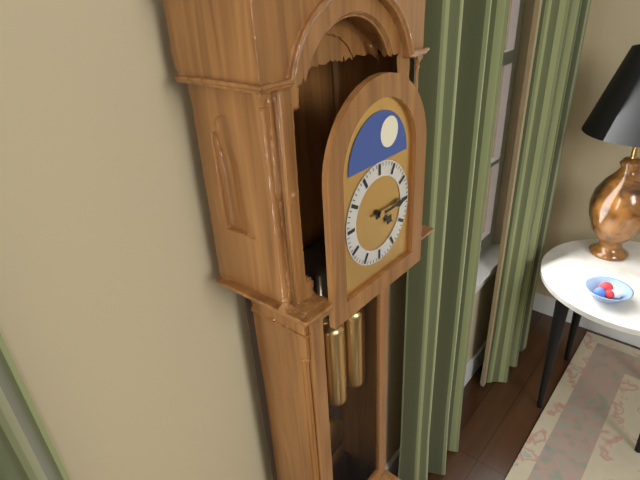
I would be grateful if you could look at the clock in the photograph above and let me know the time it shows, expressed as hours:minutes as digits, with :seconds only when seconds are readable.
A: 4:15
